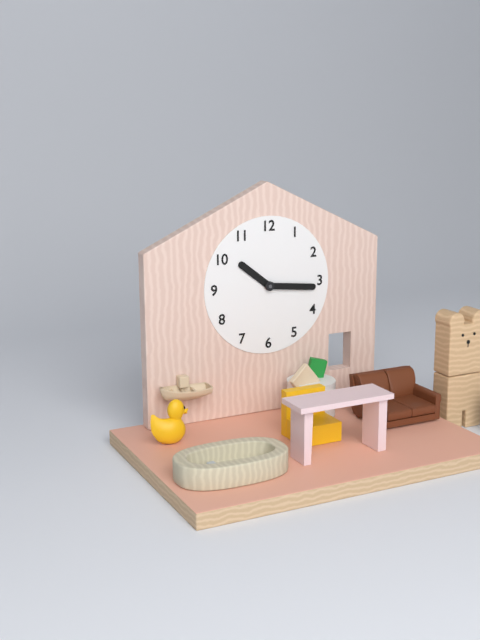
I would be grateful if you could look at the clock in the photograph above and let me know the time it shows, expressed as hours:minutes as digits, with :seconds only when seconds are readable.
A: 10:16
